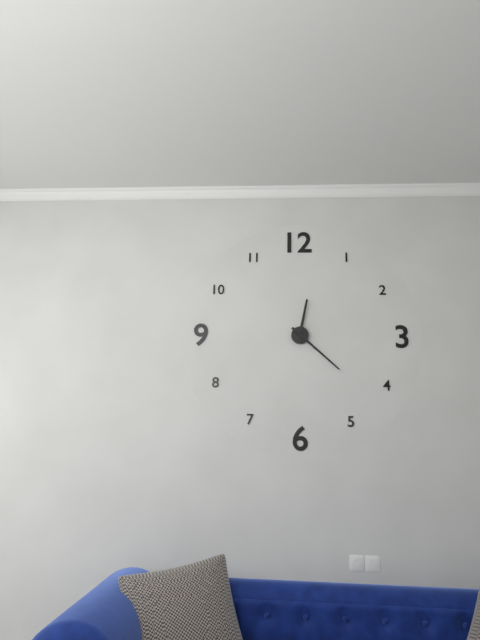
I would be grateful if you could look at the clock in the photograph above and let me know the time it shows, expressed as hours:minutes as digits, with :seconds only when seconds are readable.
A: 12:22
